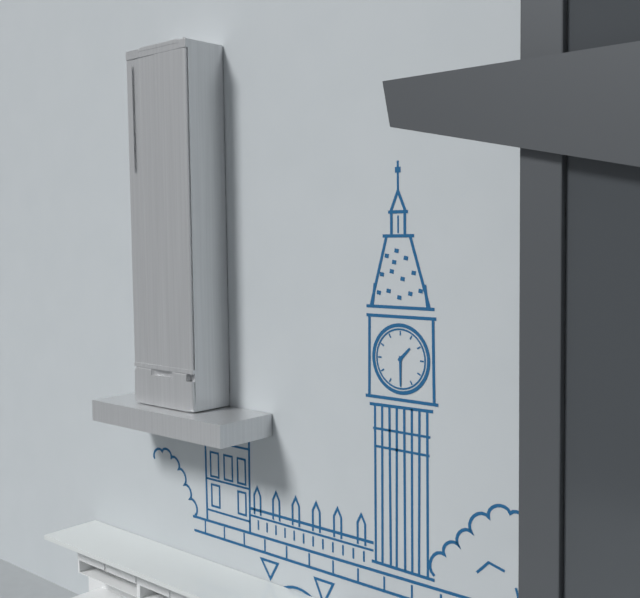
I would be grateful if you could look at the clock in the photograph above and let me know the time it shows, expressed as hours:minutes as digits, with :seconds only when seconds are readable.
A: 1:30
